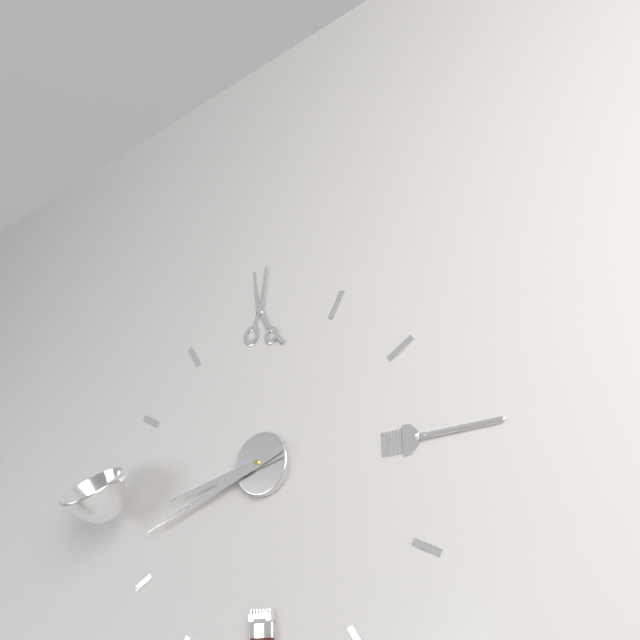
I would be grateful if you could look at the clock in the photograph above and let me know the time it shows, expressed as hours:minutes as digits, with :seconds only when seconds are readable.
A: 8:42
